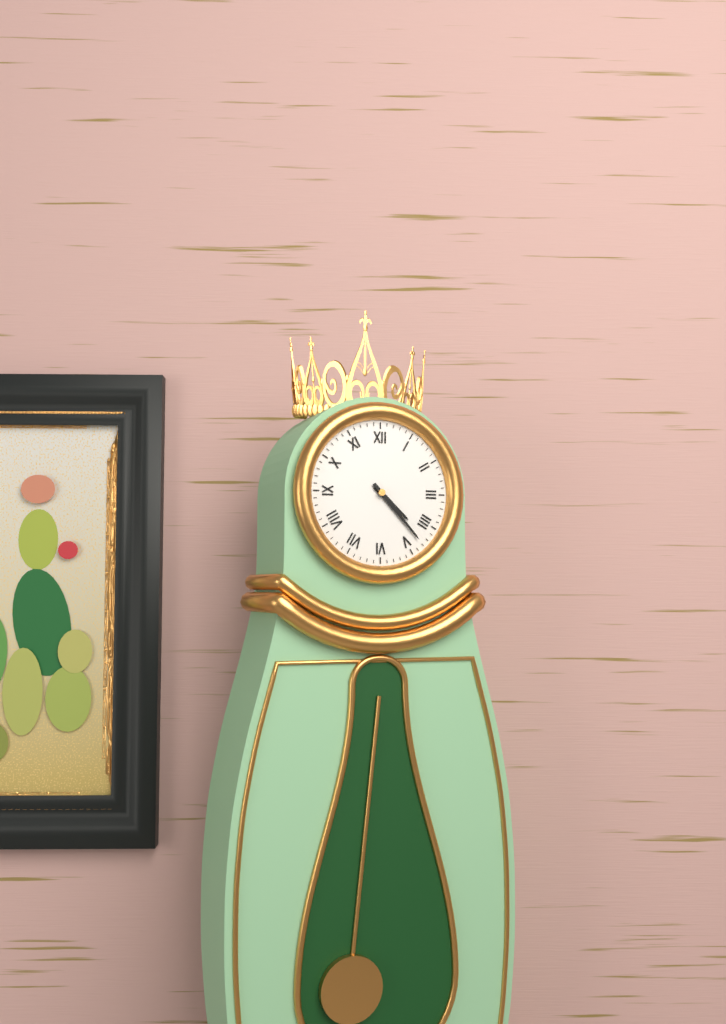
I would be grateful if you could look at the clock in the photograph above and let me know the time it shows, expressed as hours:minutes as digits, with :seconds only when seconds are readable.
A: 4:23
